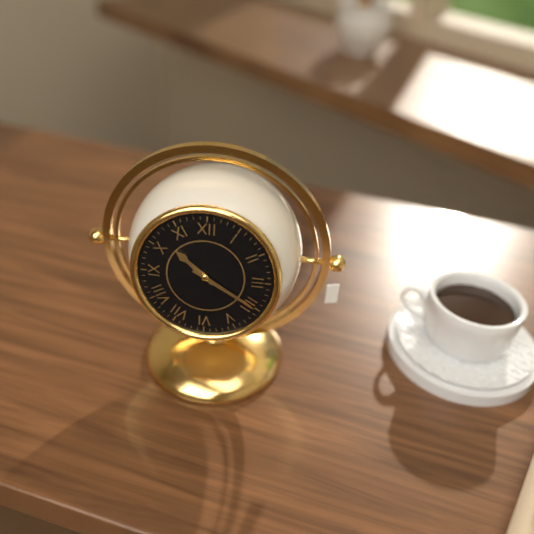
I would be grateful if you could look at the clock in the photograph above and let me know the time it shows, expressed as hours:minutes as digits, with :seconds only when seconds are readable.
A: 10:20
